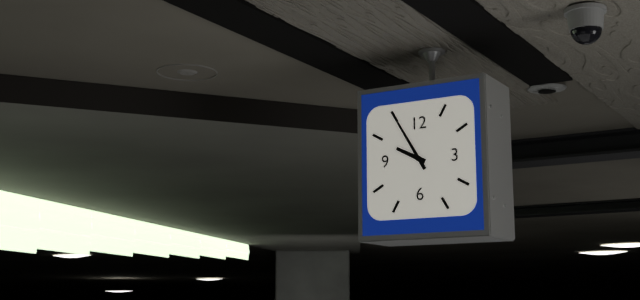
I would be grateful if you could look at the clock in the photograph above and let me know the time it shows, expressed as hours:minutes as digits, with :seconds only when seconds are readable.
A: 9:55
